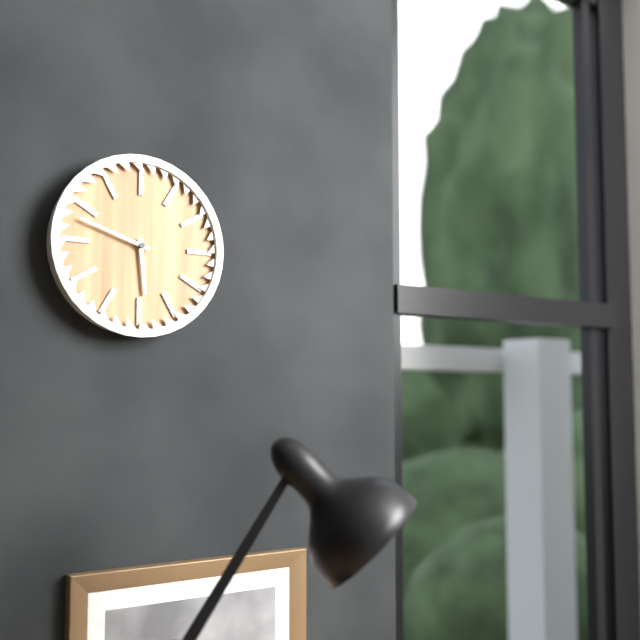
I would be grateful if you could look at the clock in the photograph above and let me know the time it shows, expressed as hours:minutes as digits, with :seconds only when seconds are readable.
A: 5:48
